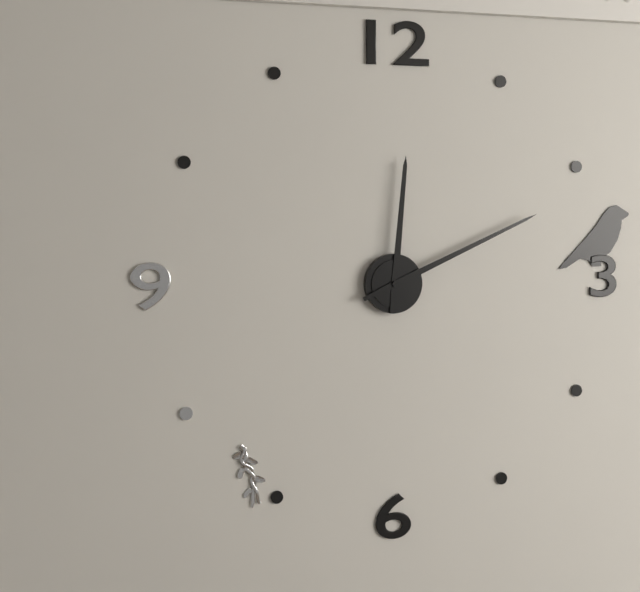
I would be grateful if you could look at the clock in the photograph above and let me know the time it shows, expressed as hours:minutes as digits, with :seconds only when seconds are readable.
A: 12:11
